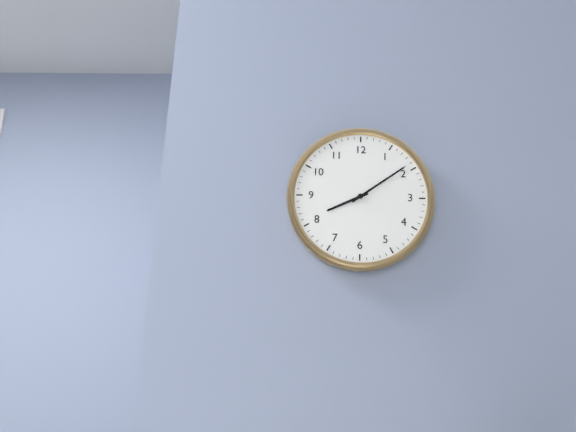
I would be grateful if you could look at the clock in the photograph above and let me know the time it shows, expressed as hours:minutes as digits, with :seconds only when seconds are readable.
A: 8:09
